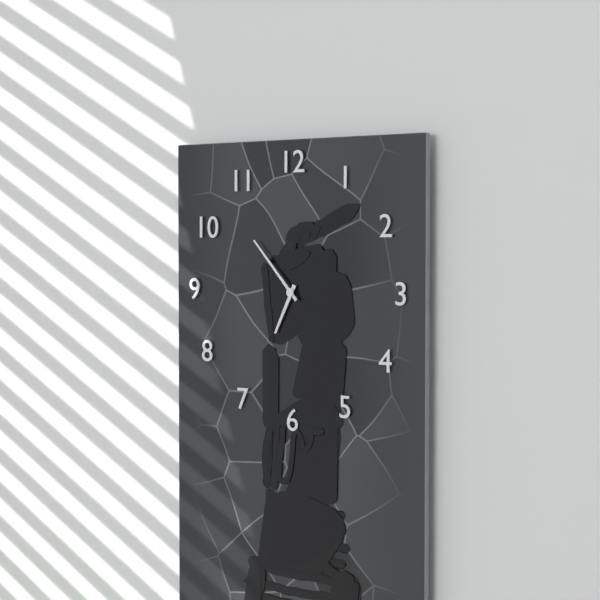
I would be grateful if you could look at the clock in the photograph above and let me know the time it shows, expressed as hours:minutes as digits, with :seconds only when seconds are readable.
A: 6:53
